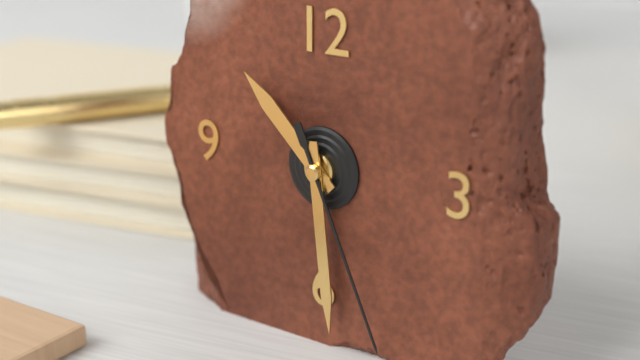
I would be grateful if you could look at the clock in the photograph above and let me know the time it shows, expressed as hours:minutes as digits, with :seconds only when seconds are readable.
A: 10:29:26
